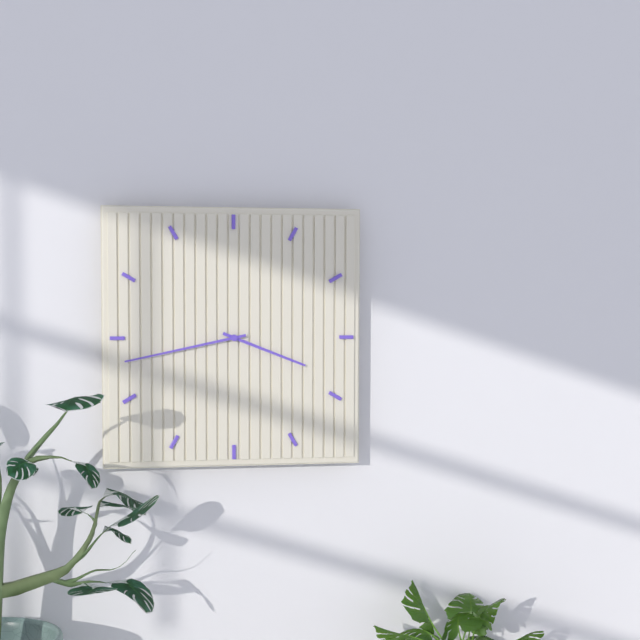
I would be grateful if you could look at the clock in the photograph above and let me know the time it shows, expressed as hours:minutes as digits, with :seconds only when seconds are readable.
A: 3:43
